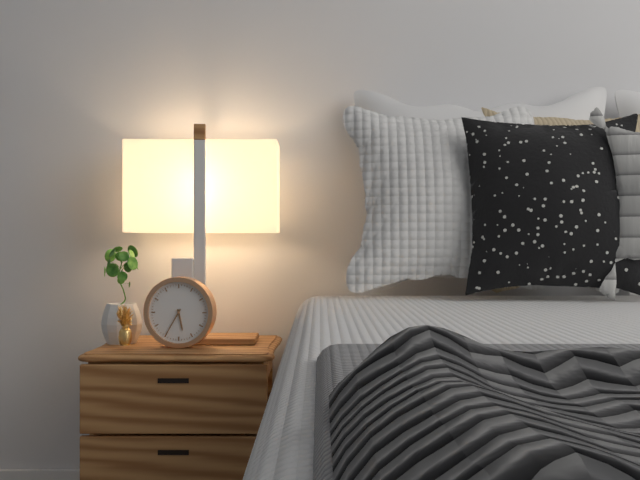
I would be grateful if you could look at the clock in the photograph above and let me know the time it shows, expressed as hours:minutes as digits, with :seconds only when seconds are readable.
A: 5:35
